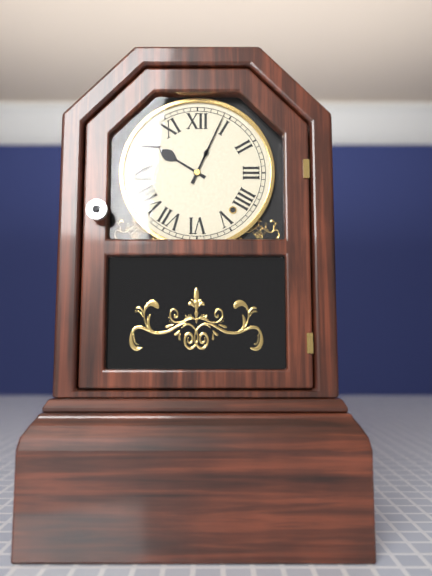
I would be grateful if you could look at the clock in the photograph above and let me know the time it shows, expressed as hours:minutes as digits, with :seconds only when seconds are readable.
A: 10:04
